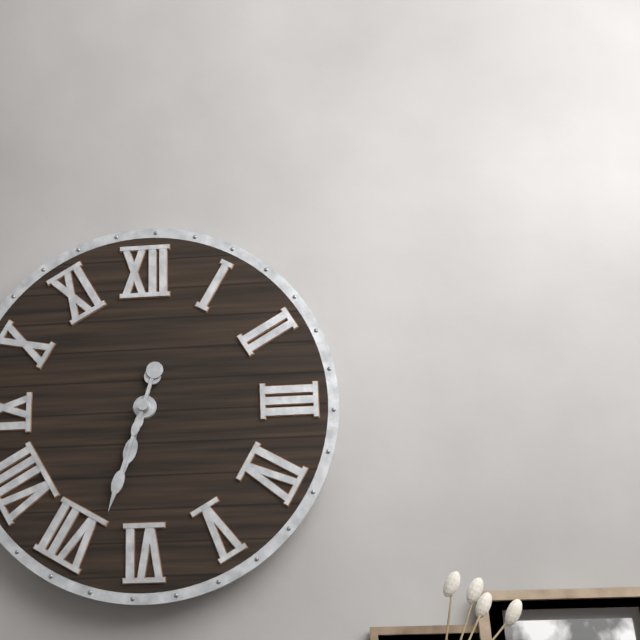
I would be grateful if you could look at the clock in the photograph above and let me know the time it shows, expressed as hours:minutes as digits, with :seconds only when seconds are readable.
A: 6:33
